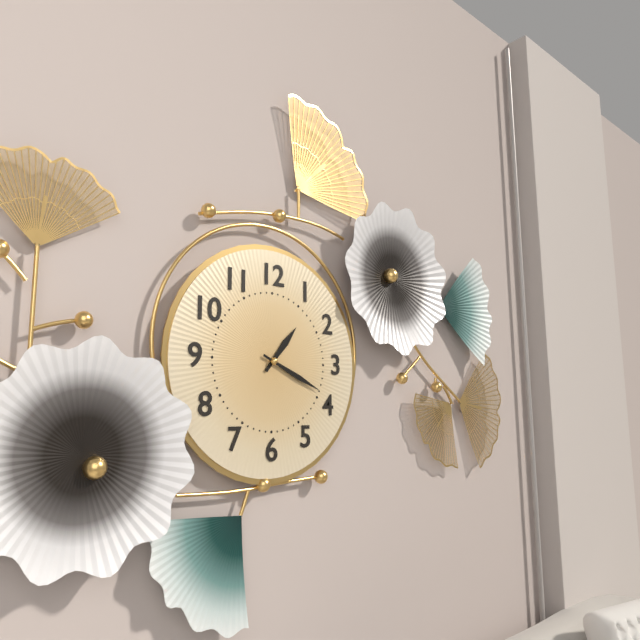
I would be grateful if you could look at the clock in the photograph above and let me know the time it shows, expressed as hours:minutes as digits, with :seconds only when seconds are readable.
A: 1:19
